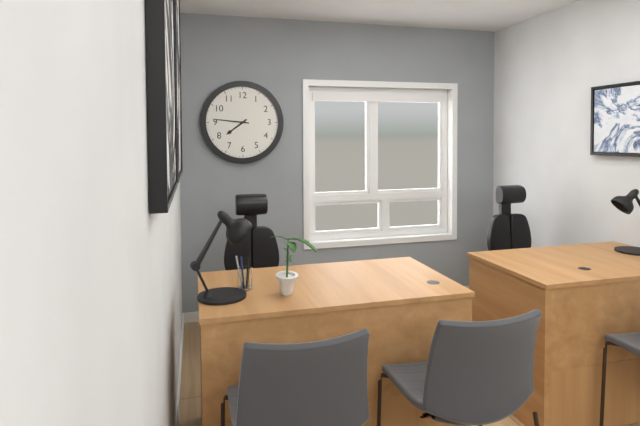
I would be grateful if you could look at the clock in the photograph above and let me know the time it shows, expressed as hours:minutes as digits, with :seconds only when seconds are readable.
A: 7:46
